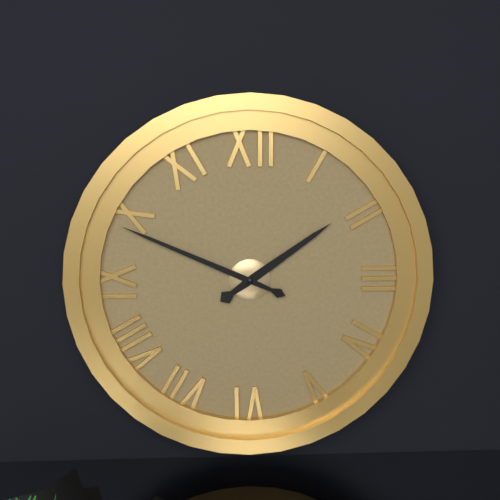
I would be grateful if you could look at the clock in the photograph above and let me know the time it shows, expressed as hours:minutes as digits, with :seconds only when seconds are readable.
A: 1:49
